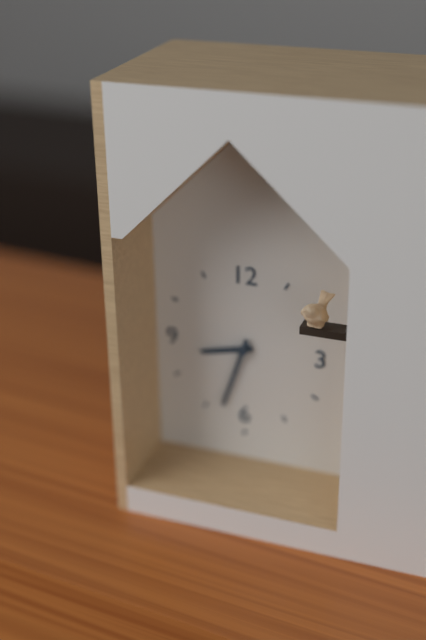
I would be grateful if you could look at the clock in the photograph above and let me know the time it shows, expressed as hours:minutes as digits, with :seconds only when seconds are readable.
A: 8:33
